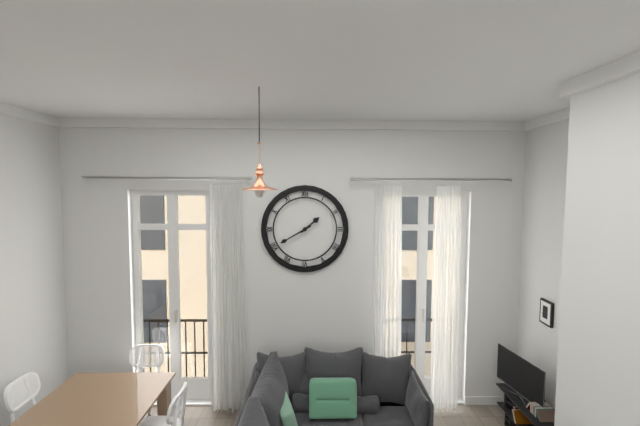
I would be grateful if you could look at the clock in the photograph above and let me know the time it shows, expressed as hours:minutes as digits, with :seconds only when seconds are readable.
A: 1:40
